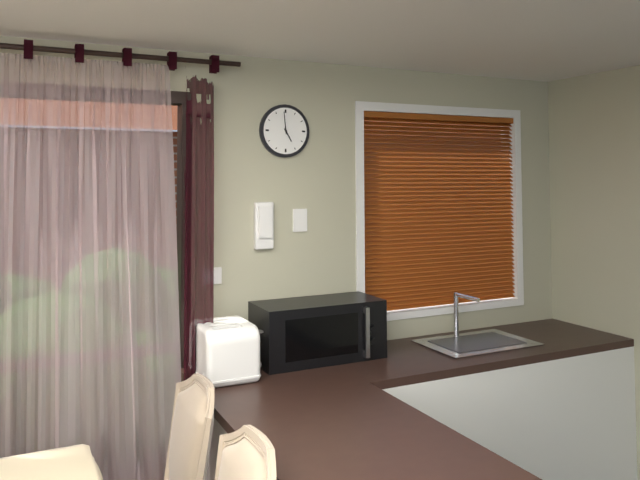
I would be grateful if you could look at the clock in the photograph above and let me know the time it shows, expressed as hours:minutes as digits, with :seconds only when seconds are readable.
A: 4:59
